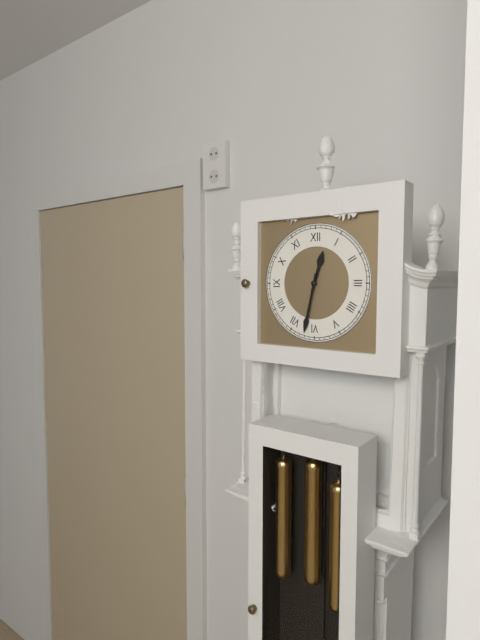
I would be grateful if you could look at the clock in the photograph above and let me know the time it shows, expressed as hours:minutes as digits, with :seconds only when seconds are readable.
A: 12:32
